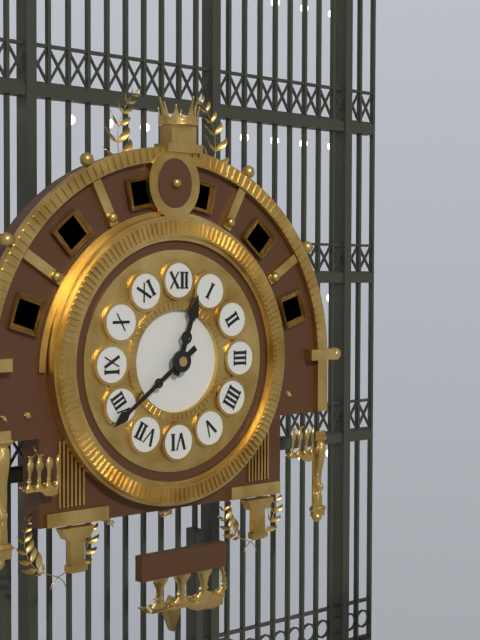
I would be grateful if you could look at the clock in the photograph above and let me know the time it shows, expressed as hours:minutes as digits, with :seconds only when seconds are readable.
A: 12:39
